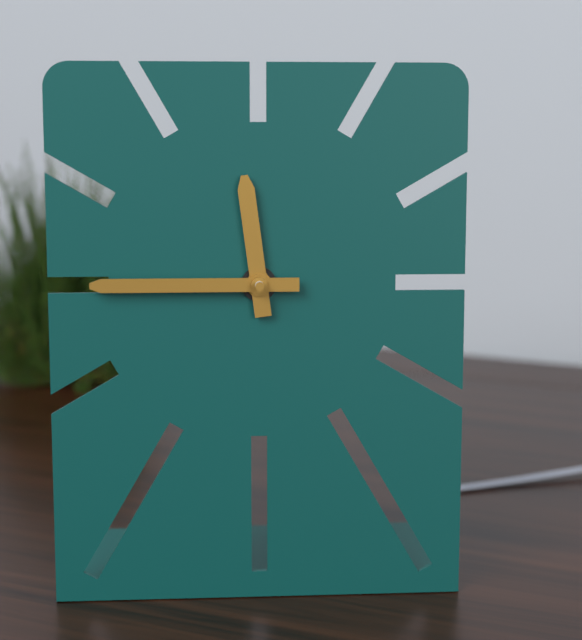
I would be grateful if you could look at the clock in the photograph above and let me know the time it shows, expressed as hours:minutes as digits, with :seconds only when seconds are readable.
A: 11:45
